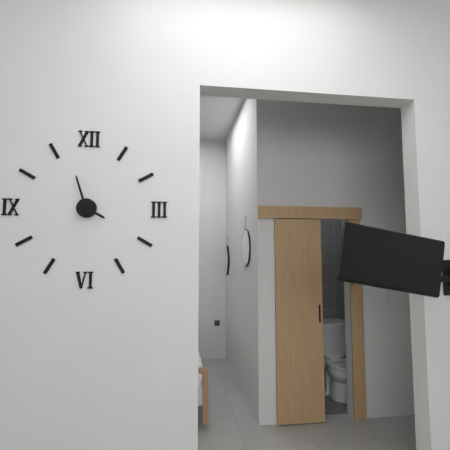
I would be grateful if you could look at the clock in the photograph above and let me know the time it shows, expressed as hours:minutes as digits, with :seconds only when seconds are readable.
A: 3:57
